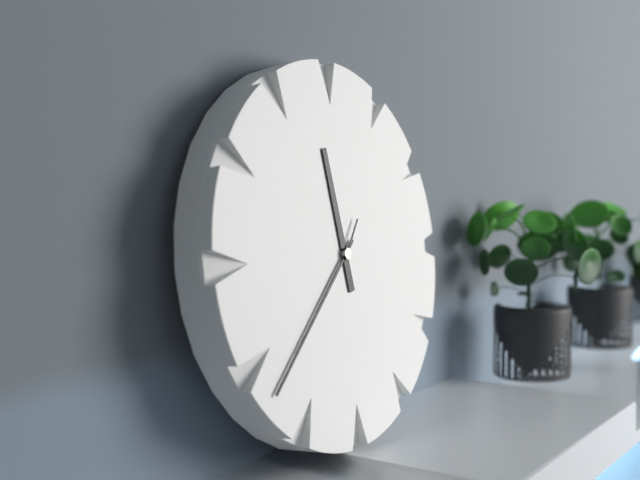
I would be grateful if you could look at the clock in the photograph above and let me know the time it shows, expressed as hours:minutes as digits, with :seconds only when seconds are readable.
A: 11:38
